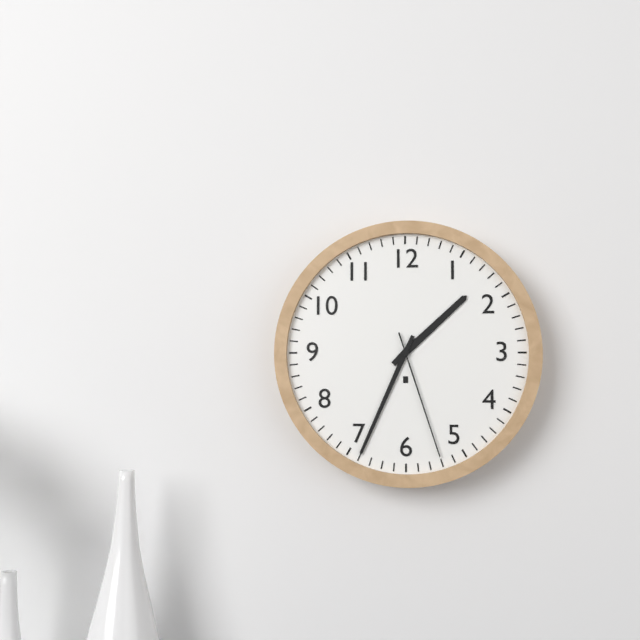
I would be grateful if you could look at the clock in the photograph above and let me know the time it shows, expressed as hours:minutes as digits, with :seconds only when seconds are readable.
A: 1:34:27
